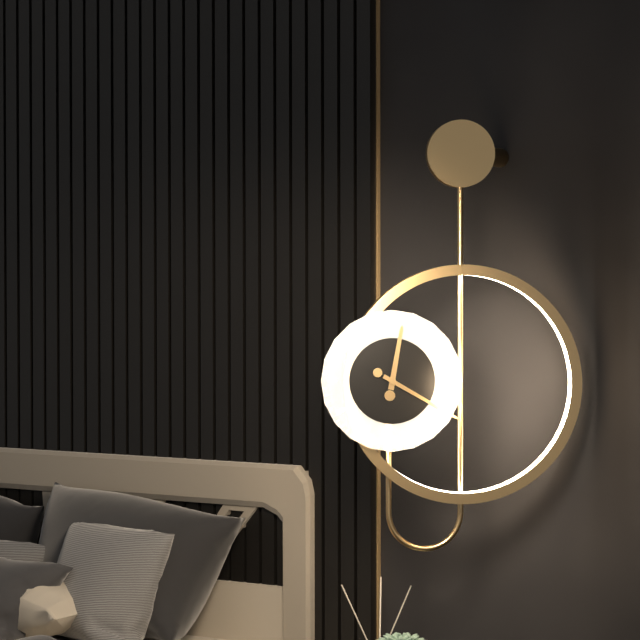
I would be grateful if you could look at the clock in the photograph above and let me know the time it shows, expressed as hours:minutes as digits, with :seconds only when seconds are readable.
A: 12:20
